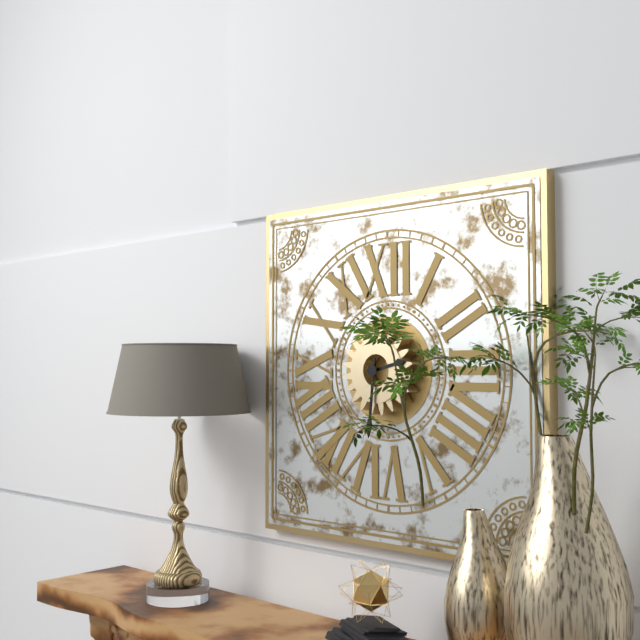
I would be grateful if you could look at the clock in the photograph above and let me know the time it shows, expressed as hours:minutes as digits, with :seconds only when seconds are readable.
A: 2:31
